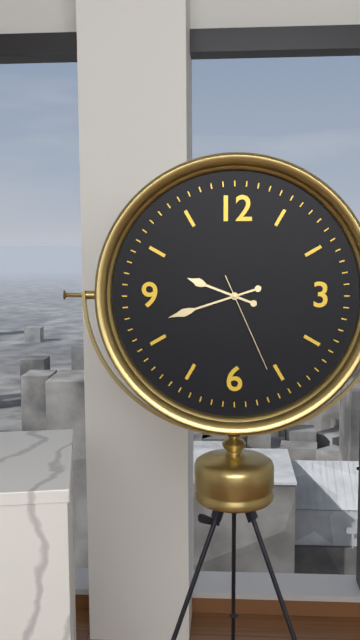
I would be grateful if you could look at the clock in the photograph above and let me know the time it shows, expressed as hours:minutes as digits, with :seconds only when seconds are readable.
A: 9:42:26
